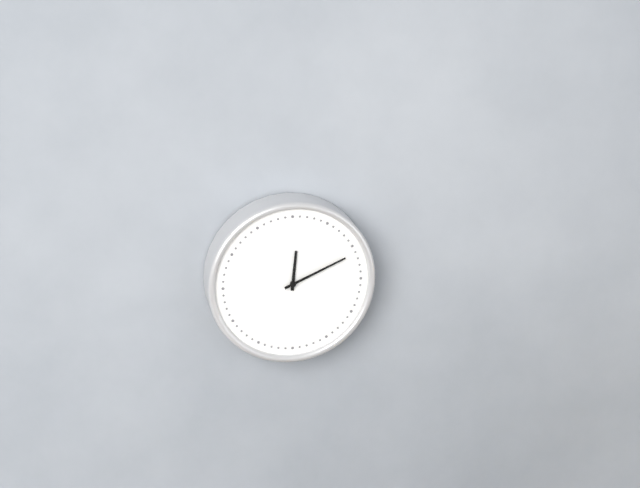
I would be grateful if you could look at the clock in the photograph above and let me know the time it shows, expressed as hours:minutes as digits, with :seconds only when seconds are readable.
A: 12:11
